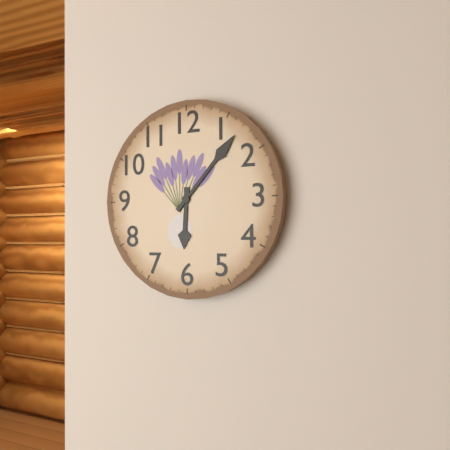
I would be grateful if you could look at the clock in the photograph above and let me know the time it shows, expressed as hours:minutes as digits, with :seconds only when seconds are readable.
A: 6:07
